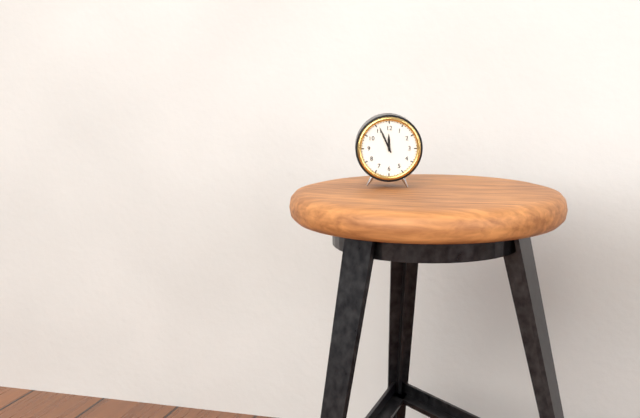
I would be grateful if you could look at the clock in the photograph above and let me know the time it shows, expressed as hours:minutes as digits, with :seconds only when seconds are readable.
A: 11:56
